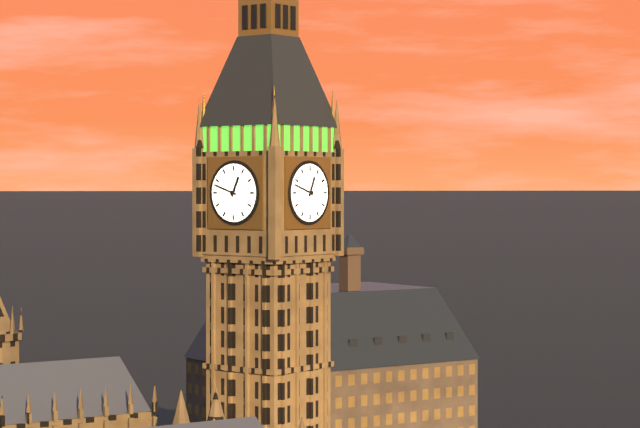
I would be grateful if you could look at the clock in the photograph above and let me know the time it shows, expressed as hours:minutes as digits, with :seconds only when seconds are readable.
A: 12:48
